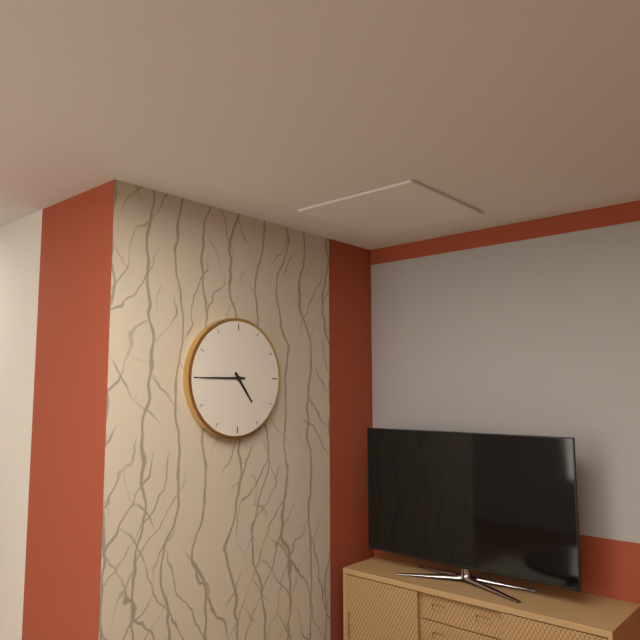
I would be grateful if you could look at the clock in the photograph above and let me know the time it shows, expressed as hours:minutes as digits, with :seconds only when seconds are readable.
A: 4:45
